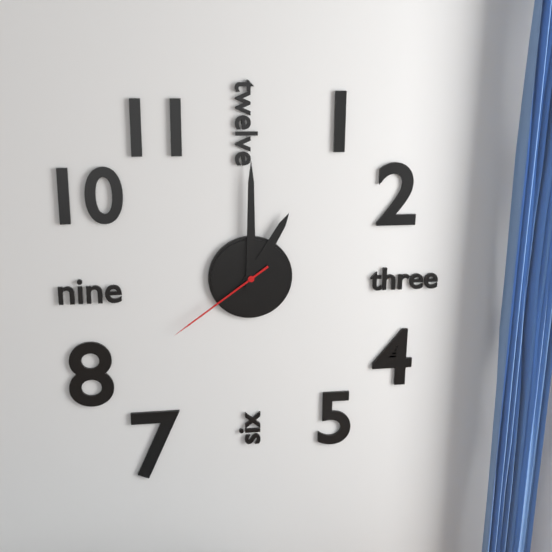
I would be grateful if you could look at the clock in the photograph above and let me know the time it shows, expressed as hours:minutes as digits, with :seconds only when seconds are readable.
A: 1:00:39
